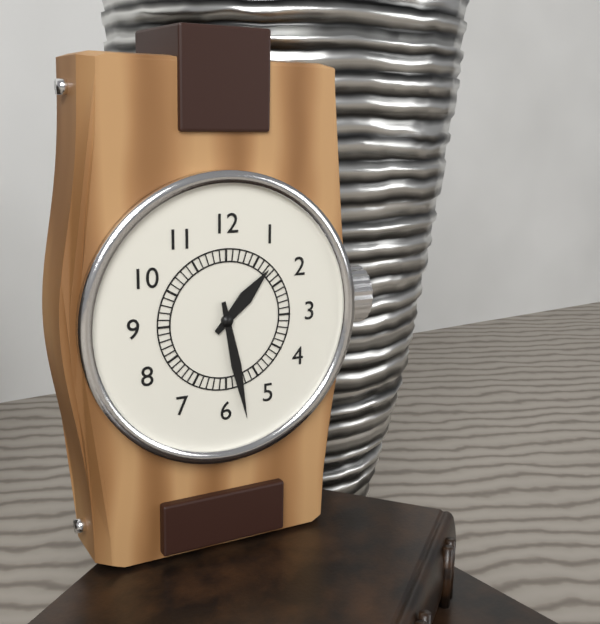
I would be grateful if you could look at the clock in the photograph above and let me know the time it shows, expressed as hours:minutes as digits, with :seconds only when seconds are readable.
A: 1:28
